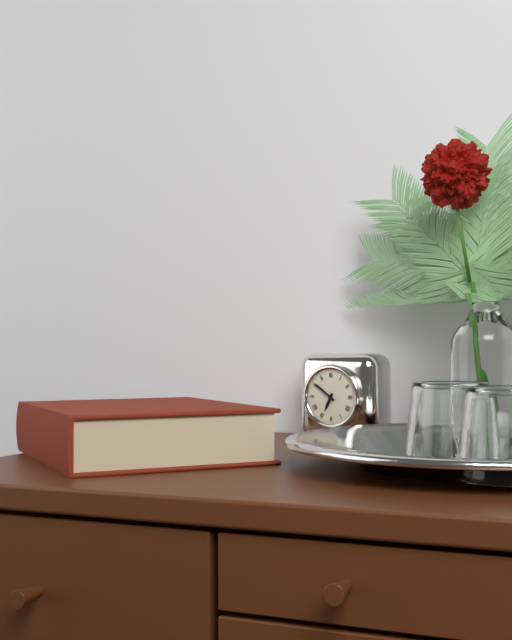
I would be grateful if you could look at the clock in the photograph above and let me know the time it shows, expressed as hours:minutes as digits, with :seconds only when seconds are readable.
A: 6:51
